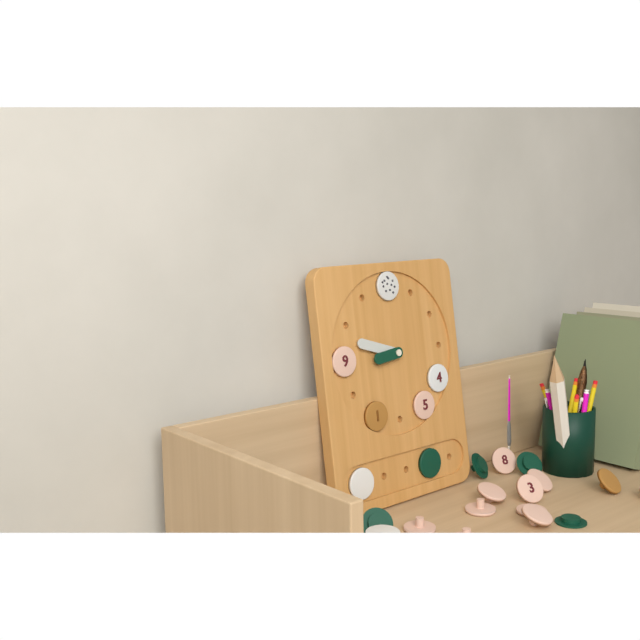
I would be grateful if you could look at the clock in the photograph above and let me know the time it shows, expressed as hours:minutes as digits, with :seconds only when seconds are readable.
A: 8:48
